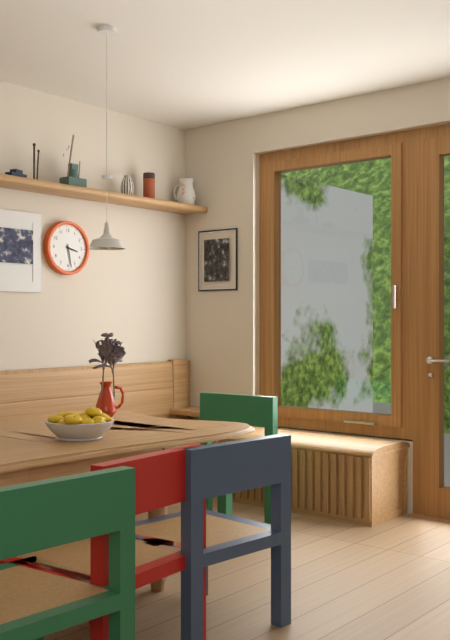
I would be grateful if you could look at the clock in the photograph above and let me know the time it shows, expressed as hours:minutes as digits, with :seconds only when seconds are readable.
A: 3:28
